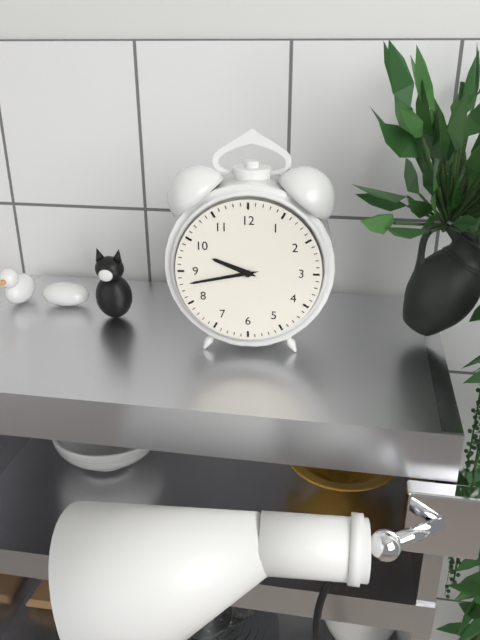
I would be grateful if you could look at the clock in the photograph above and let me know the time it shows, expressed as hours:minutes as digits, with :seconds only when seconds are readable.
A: 9:43
